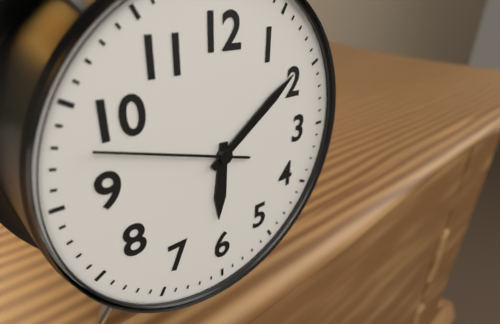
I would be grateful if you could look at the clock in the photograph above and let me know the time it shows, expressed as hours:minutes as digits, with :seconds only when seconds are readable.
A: 6:09:48
